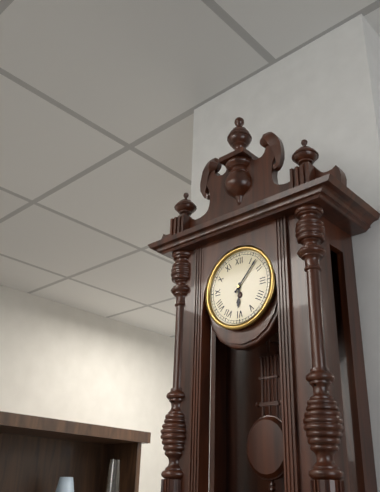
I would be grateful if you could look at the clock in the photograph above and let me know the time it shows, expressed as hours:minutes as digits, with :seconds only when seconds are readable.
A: 6:07
